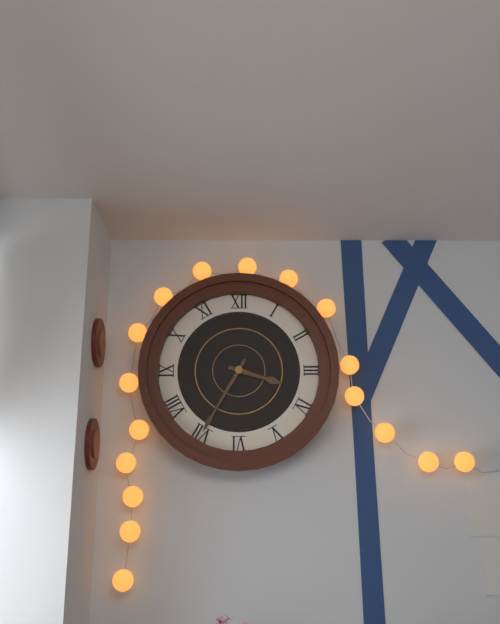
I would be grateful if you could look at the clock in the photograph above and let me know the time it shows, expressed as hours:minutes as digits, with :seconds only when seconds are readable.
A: 3:35
